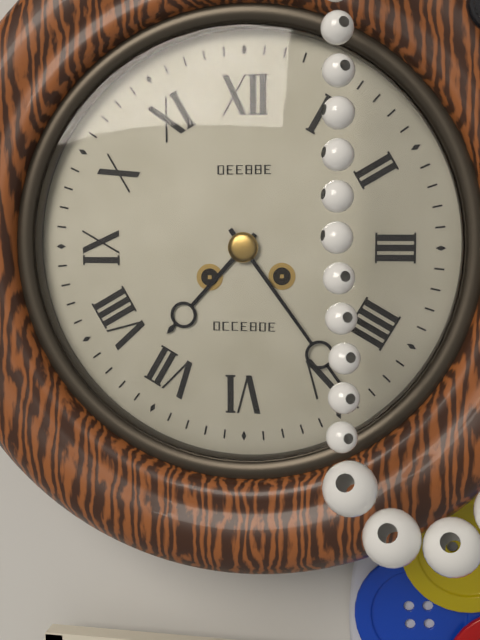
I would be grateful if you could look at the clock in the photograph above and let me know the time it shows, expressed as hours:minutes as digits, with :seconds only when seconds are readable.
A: 7:24
